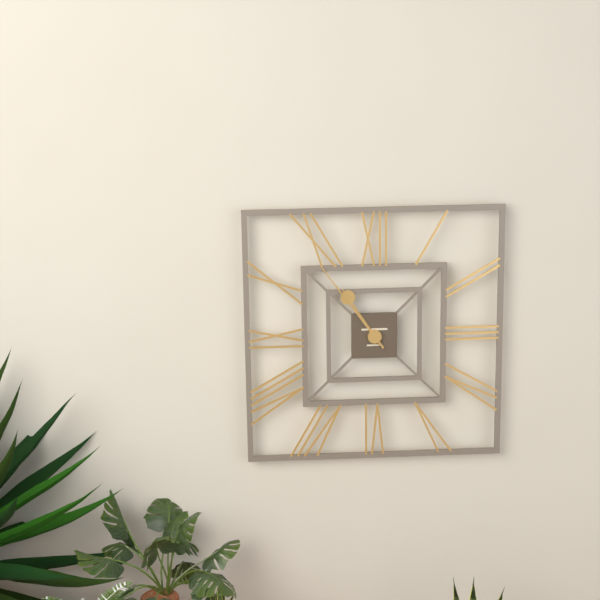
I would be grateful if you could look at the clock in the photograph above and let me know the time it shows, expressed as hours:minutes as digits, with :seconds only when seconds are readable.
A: 10:54
